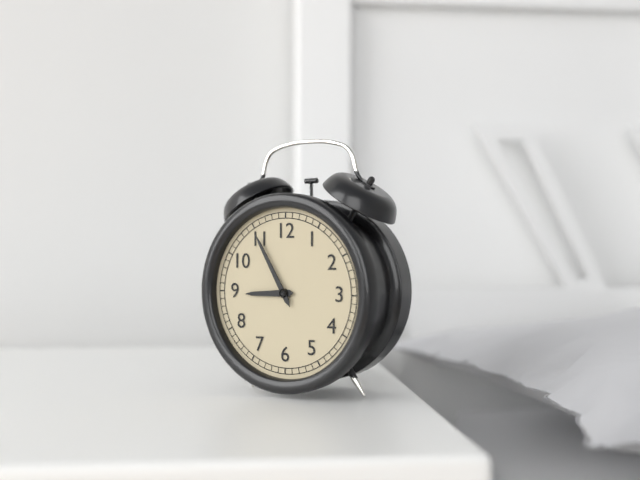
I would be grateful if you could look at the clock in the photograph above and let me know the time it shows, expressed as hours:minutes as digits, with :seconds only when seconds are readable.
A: 8:55
